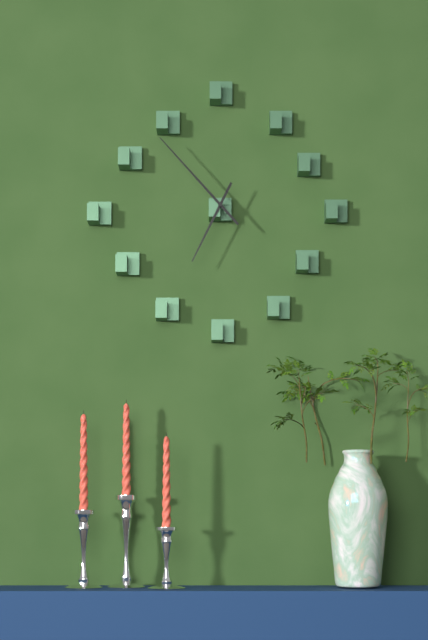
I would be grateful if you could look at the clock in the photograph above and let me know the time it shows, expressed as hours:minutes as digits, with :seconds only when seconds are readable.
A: 6:53
